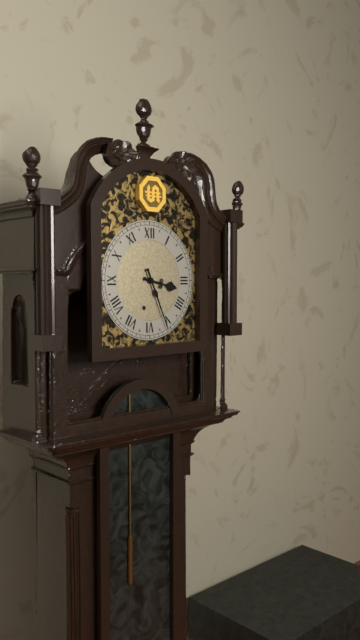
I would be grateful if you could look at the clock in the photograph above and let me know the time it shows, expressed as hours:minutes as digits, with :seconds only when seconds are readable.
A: 3:26
